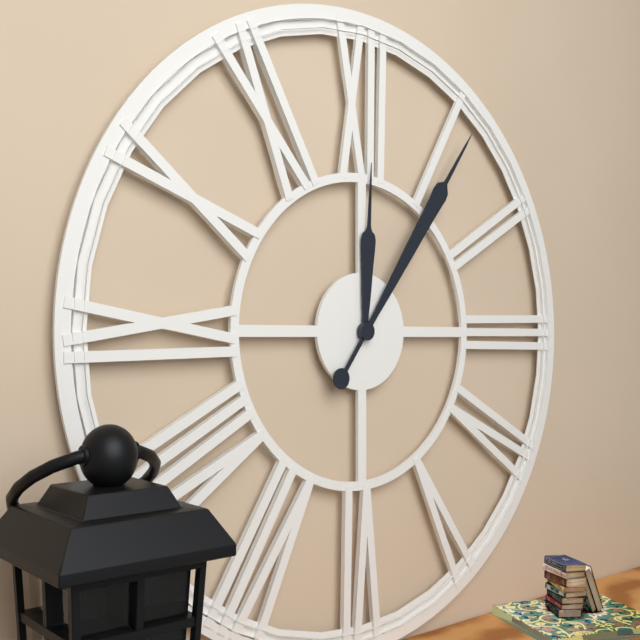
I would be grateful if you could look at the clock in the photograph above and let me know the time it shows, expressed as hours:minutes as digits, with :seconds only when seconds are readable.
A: 12:06
